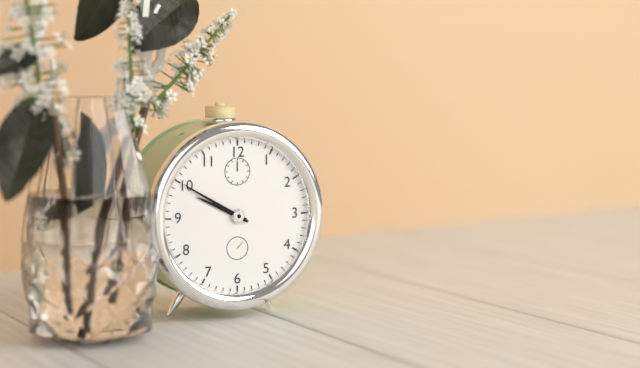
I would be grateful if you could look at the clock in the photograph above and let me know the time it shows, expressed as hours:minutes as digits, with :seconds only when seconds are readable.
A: 9:50
